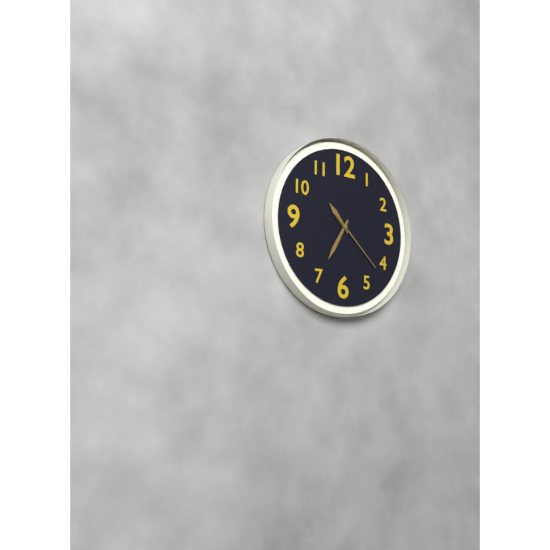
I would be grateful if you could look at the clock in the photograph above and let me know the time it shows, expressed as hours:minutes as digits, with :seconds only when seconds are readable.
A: 10:35:22
